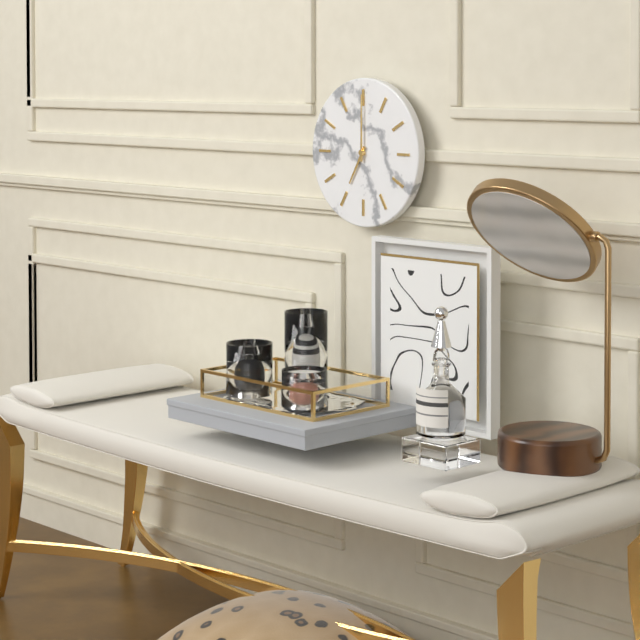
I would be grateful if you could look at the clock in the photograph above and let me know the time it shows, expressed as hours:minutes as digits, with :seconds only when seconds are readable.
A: 7:00
